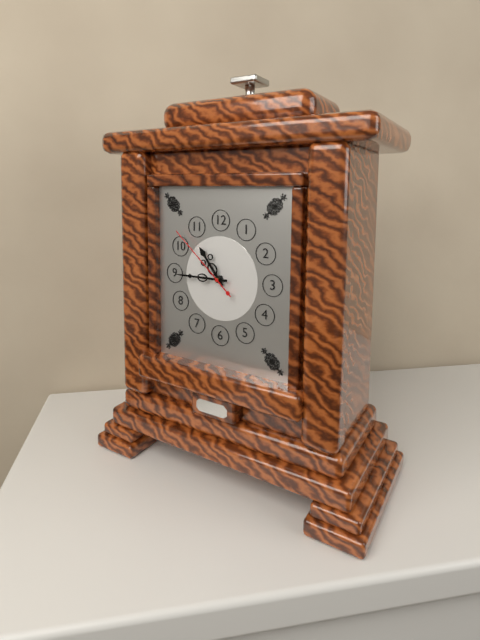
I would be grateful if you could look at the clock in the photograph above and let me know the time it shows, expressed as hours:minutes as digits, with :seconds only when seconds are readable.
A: 10:45:52
